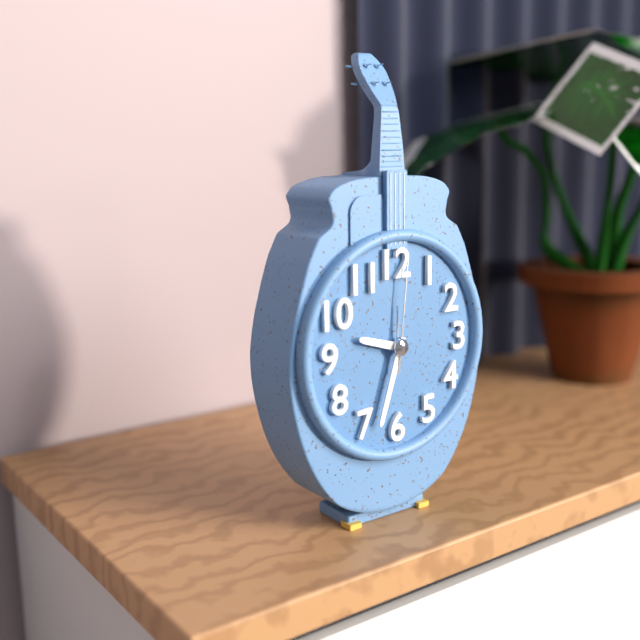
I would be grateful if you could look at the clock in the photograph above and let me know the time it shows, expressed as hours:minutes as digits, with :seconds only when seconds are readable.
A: 9:33:01
